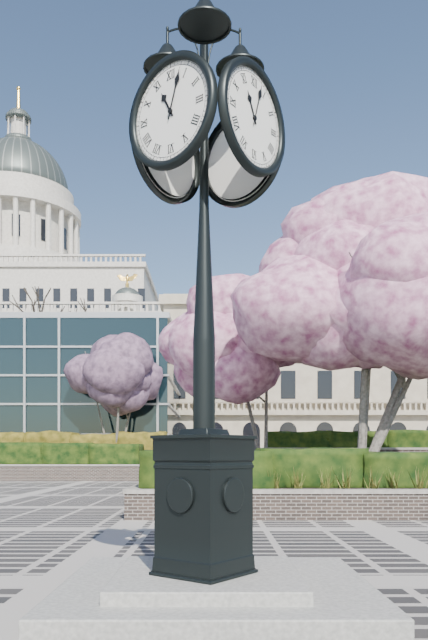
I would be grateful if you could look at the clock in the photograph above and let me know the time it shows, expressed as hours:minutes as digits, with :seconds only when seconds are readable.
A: 11:03
